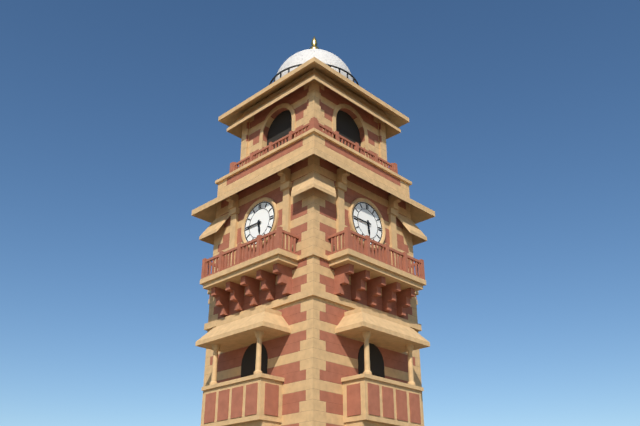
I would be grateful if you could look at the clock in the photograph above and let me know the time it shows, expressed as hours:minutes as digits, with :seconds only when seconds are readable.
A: 5:45
